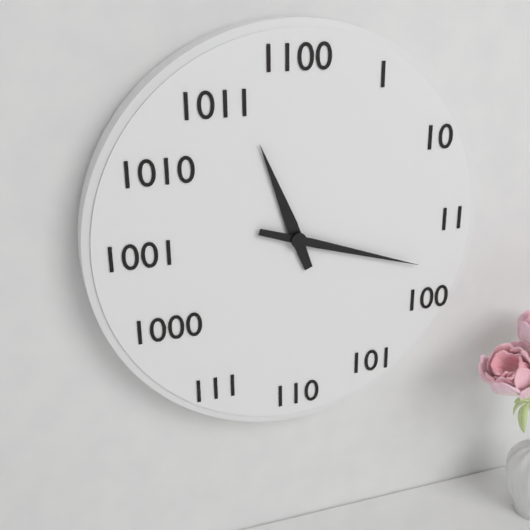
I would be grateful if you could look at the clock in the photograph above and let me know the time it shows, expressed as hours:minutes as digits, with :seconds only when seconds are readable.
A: 11:18
